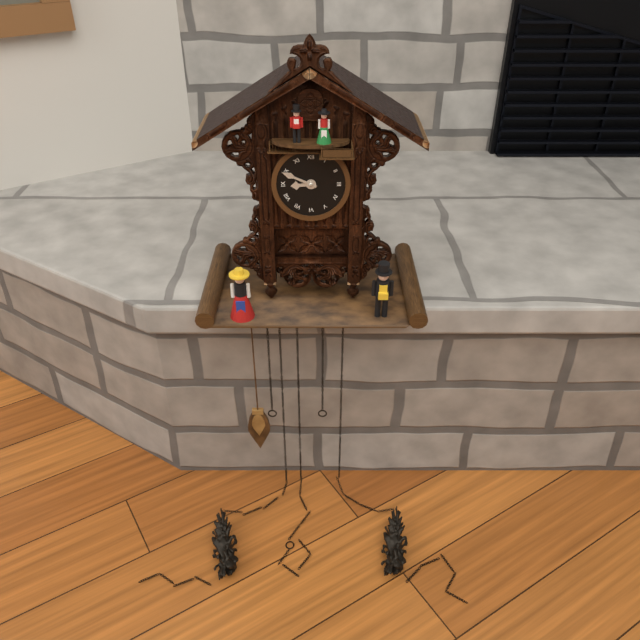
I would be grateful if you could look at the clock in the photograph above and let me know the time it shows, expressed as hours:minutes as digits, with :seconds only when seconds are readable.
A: 8:49
